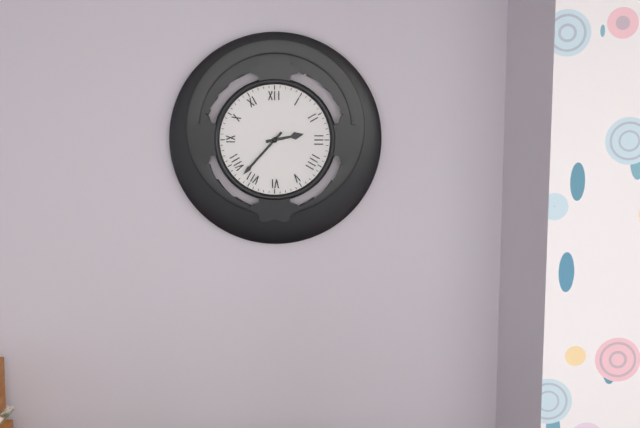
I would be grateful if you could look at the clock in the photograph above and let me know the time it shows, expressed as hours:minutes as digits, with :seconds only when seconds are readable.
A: 2:37
